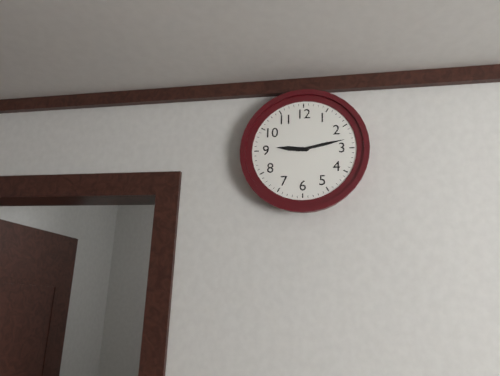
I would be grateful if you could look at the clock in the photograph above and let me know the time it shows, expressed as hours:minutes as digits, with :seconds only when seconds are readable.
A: 9:13
